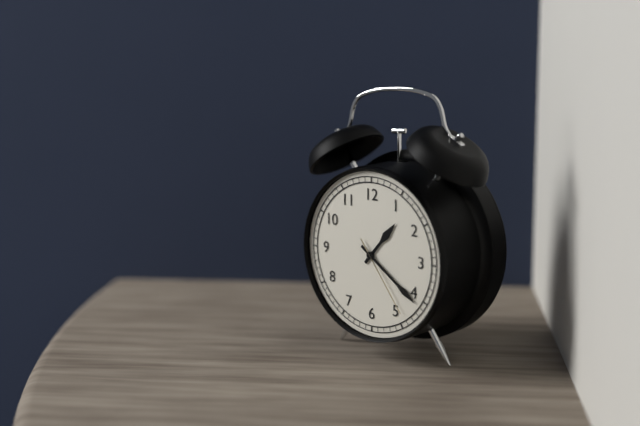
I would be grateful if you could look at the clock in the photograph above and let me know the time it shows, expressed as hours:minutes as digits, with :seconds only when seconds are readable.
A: 1:21:24
